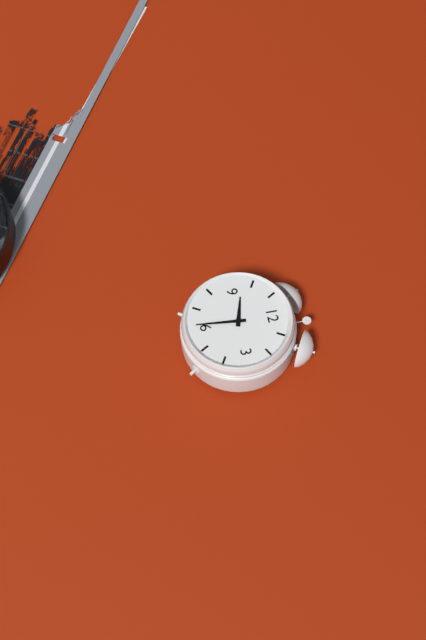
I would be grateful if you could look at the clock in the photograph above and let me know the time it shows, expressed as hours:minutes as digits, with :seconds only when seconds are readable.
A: 9:31
